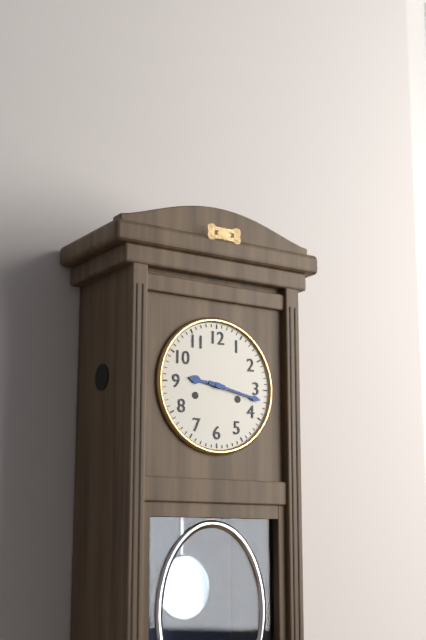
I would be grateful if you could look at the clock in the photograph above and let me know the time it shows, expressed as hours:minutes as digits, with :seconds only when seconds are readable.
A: 9:17
